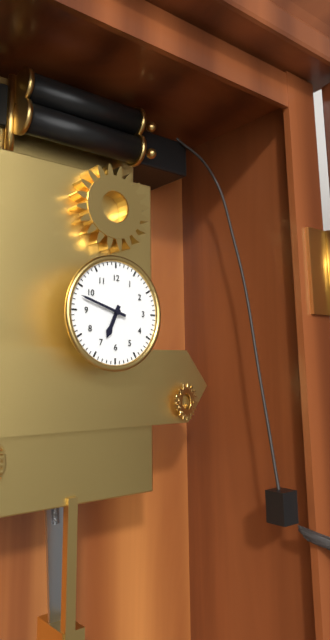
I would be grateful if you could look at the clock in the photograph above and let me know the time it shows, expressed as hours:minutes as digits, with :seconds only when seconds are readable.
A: 6:48
